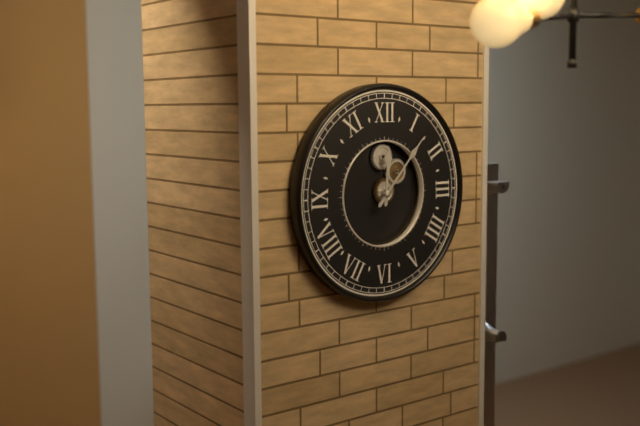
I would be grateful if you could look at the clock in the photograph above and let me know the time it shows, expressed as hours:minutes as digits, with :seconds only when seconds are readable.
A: 12:07
